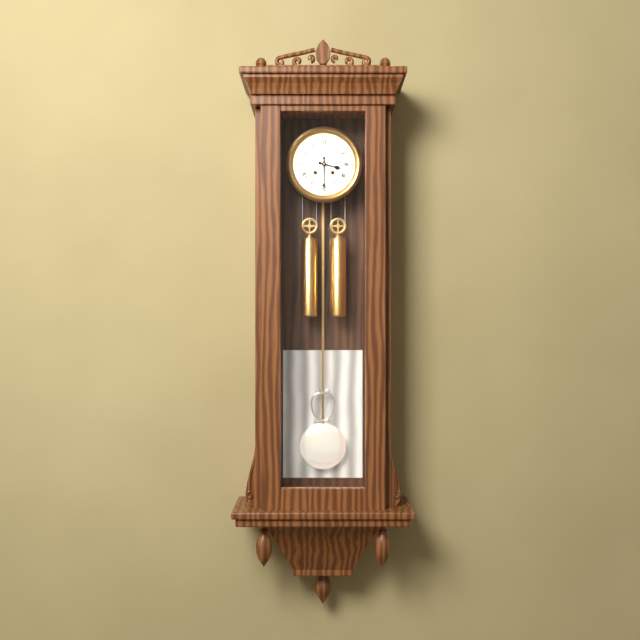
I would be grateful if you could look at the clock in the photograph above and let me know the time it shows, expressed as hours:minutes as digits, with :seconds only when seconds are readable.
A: 3:30
